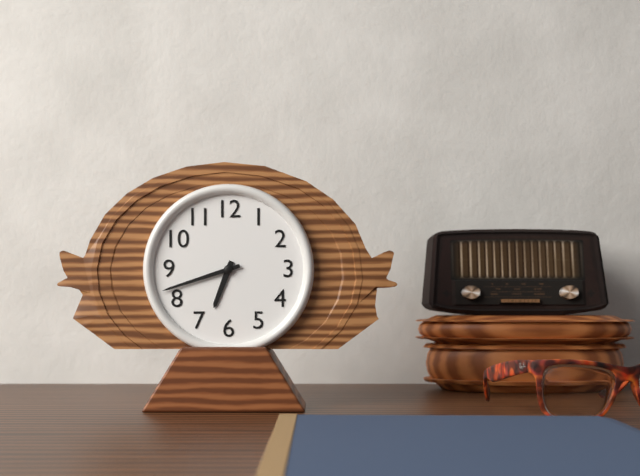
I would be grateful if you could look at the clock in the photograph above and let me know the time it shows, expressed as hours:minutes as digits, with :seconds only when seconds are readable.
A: 6:42
